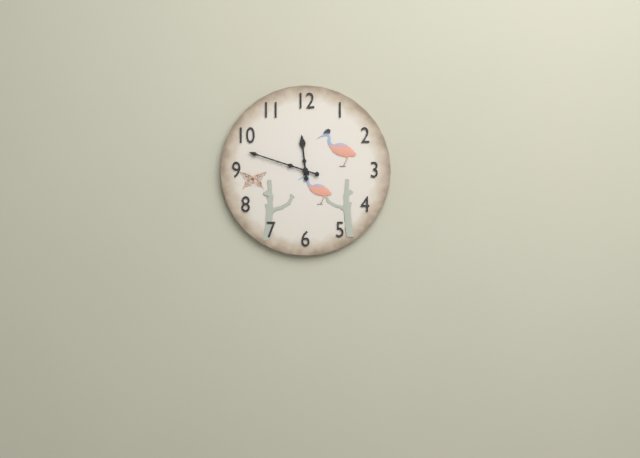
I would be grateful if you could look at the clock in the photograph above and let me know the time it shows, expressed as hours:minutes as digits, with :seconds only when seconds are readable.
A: 11:48
